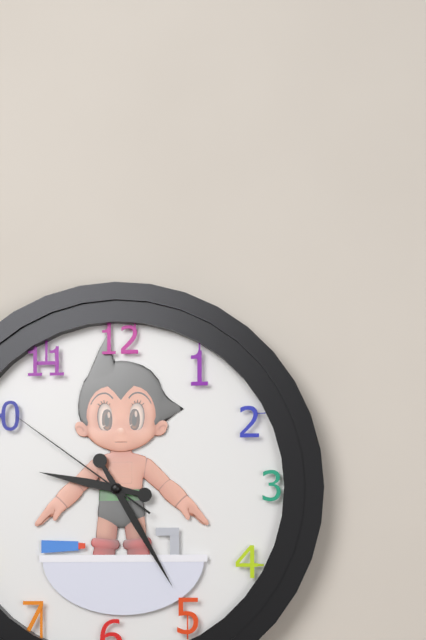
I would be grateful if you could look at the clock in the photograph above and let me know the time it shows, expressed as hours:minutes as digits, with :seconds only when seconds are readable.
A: 9:25:51
